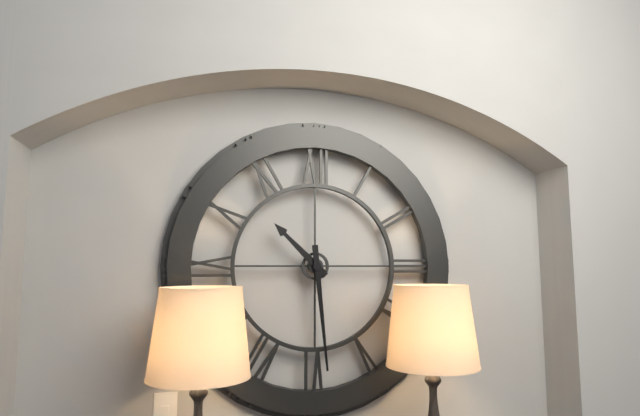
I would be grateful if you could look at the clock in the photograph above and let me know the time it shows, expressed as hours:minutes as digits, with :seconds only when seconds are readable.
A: 10:29
